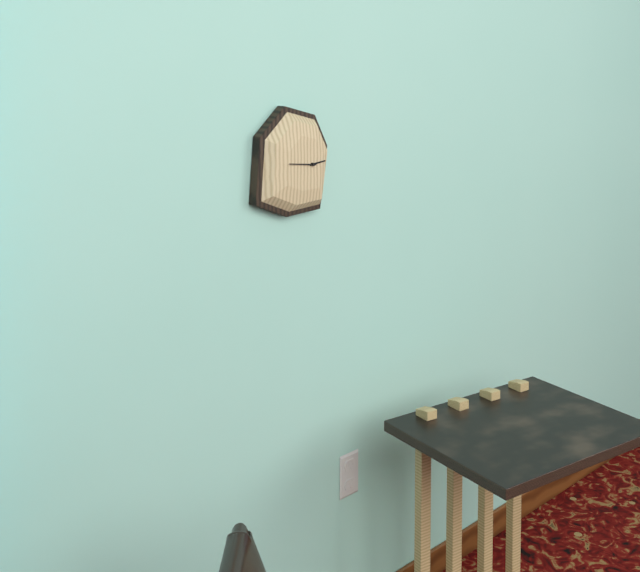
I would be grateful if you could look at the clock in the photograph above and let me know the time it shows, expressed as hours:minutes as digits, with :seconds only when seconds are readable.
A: 2:46
